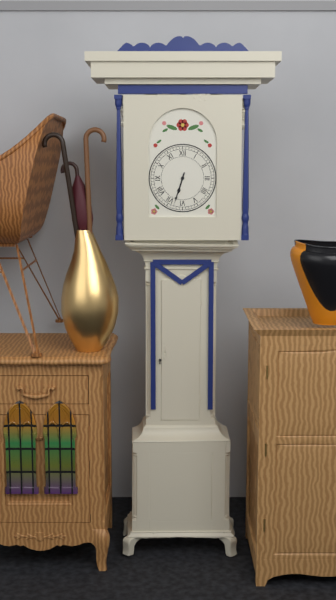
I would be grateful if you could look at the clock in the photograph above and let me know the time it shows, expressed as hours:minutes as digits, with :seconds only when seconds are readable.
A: 6:33
